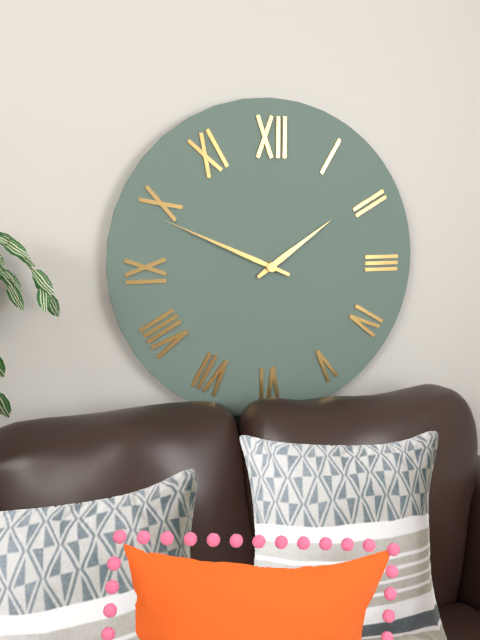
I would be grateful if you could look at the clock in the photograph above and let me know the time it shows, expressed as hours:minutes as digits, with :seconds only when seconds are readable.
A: 1:49
